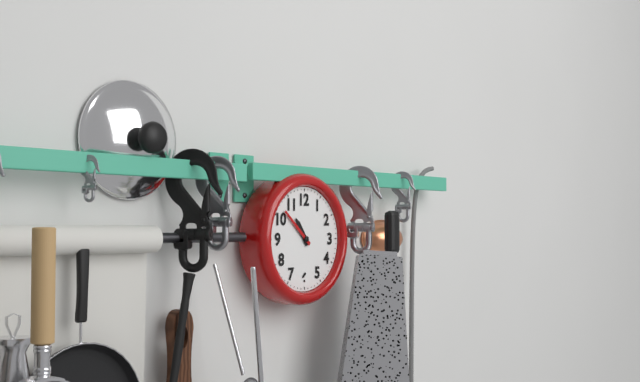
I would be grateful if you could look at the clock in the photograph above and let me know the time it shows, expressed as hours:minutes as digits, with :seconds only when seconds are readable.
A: 10:52
